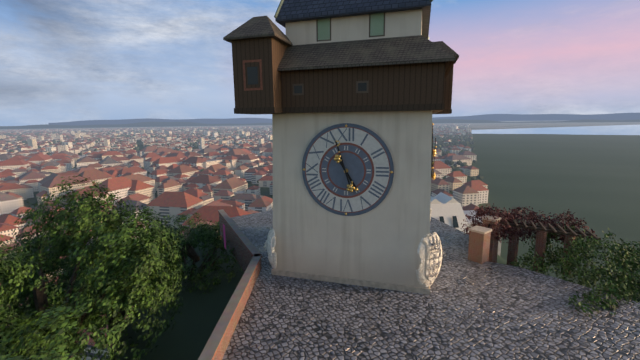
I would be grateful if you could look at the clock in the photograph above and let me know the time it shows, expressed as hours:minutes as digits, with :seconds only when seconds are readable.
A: 4:57
